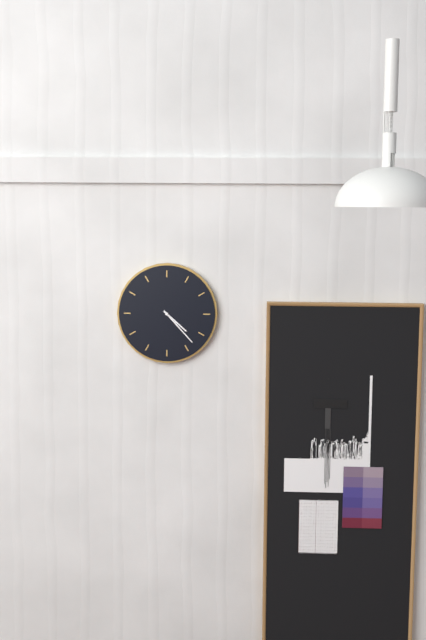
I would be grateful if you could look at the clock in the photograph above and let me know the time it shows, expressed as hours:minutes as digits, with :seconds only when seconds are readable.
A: 4:23
